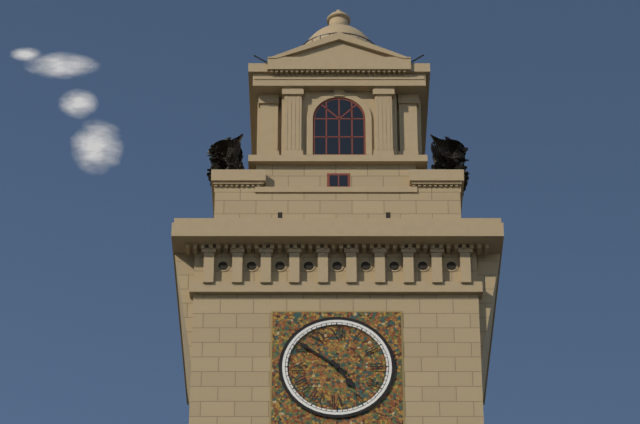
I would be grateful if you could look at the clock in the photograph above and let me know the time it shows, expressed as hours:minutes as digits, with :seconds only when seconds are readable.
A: 4:51
